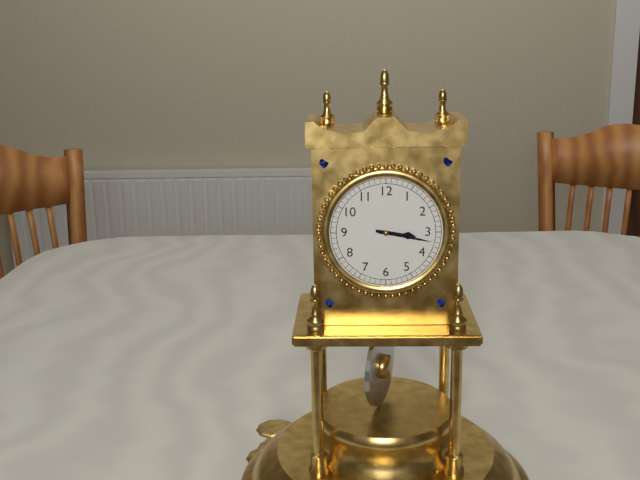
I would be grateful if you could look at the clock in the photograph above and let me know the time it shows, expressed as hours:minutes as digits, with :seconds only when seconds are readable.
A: 3:17
